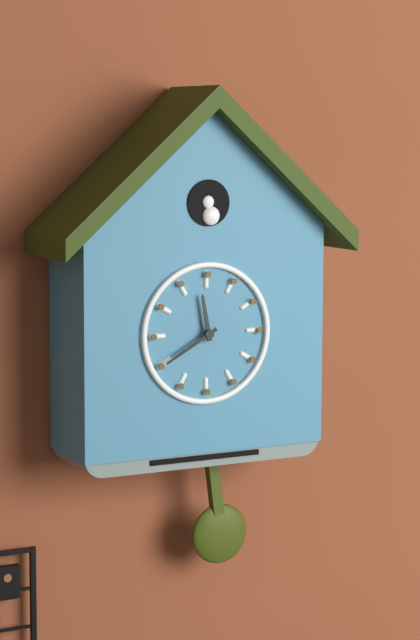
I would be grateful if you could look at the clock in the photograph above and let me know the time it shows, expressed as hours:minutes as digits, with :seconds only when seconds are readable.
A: 11:40
